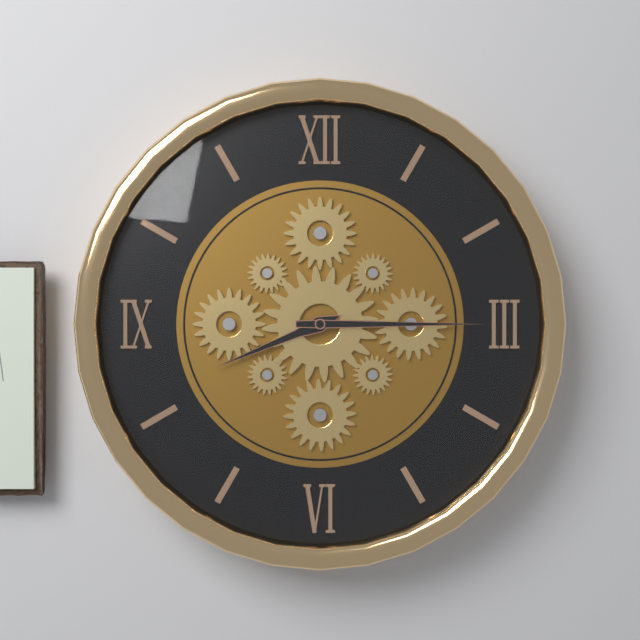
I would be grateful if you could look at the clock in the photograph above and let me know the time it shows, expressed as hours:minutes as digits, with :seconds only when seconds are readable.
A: 8:15
